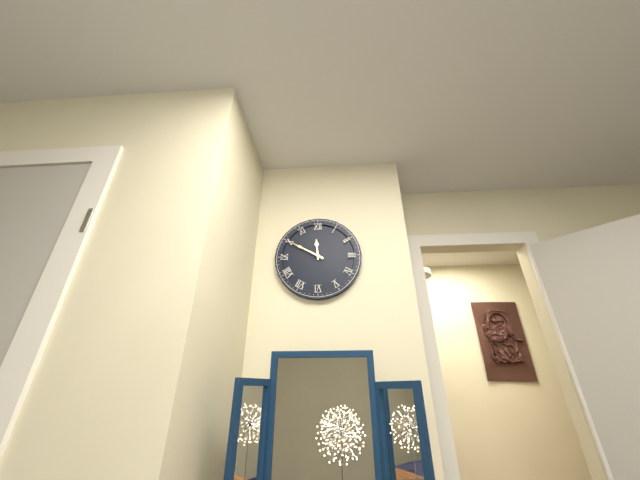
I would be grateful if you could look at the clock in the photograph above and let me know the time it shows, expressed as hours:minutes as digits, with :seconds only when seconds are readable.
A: 11:50
